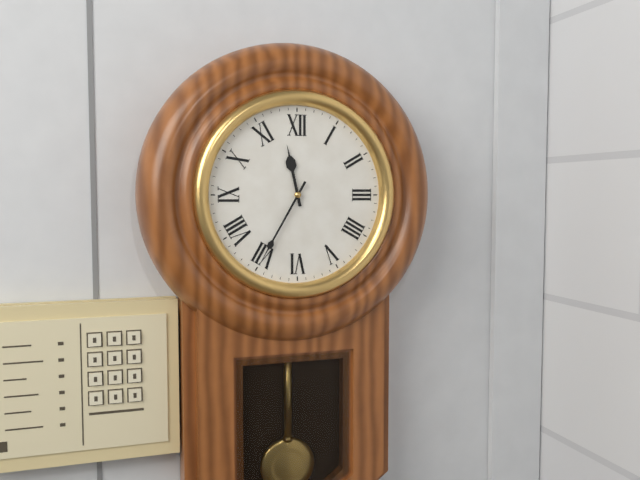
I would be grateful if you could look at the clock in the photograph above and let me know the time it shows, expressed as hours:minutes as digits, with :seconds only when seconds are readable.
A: 11:35
